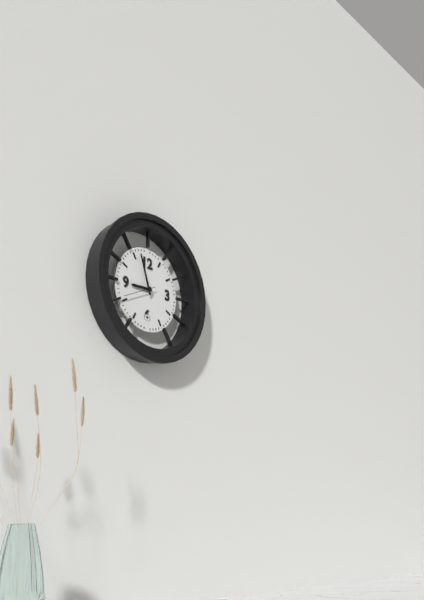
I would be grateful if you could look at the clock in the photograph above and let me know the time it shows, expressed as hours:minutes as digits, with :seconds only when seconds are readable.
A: 8:57
